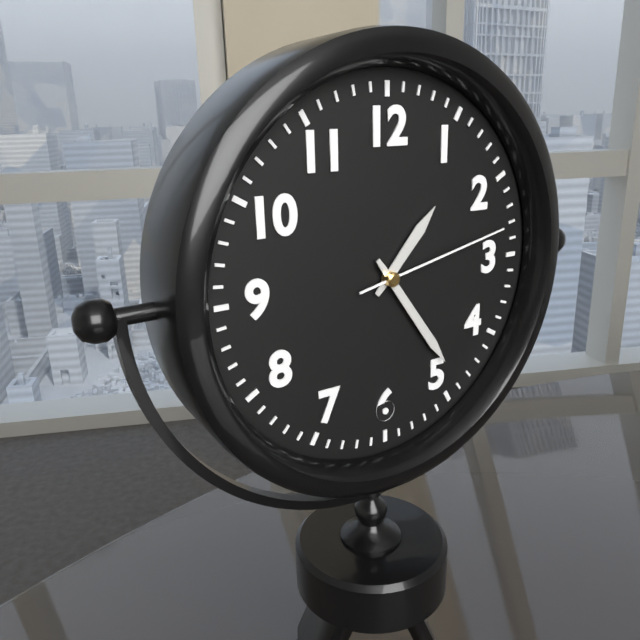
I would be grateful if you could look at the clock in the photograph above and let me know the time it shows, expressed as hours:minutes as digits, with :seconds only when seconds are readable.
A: 1:24:13
